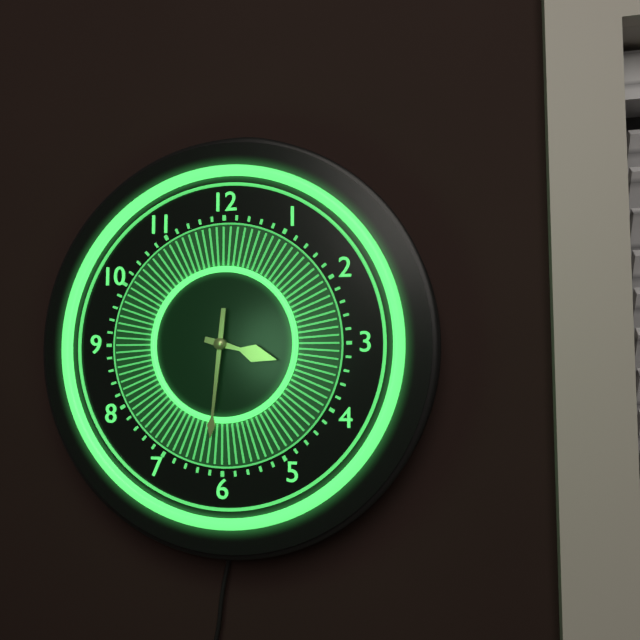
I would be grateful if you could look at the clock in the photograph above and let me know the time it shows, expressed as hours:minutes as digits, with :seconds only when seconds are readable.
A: 3:31
